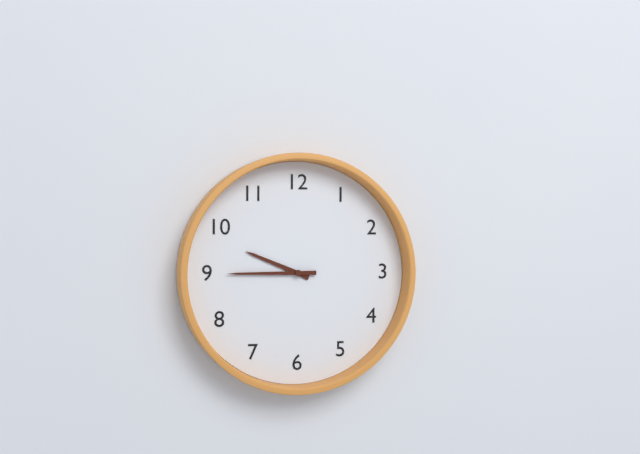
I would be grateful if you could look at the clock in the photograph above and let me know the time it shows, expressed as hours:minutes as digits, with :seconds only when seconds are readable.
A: 9:45
